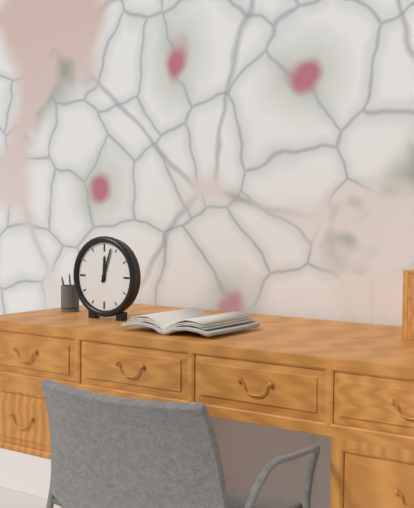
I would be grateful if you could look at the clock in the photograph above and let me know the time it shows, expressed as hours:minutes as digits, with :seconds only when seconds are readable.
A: 12:03
